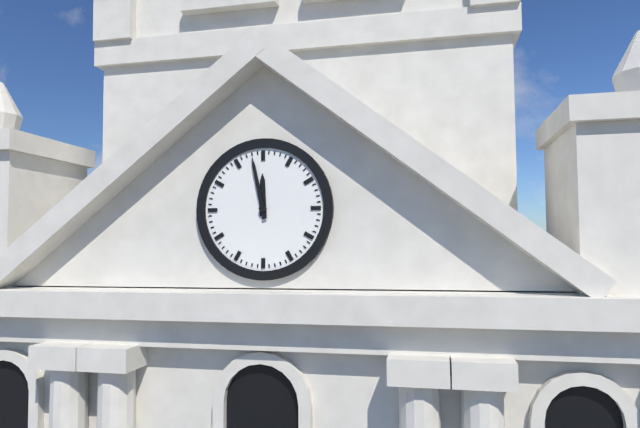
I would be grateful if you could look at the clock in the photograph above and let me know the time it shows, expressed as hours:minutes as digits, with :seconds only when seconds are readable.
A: 11:58
